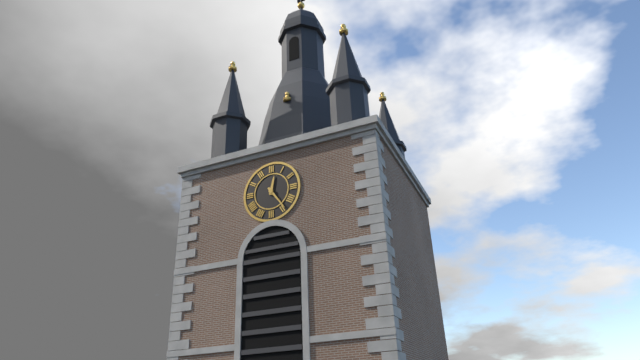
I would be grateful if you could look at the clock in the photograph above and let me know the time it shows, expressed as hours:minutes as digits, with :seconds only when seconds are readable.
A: 12:24
